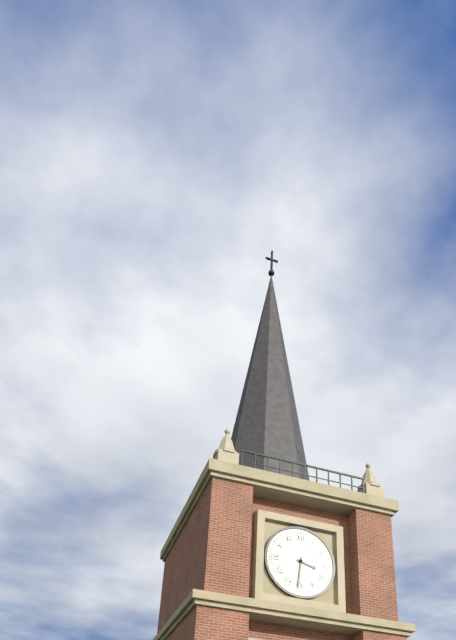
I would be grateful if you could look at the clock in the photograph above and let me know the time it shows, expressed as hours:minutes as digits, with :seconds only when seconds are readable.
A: 3:31
